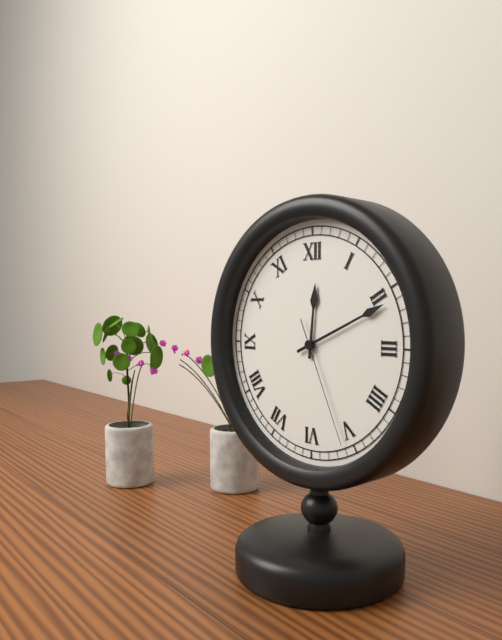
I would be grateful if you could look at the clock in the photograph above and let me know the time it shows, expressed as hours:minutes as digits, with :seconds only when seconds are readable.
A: 12:11:26
